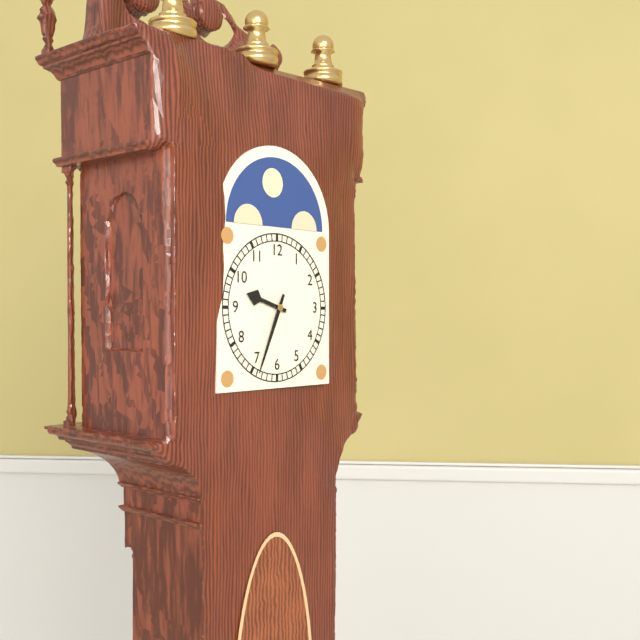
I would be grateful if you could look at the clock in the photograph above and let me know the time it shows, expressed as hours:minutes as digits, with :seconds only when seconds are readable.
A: 9:34
